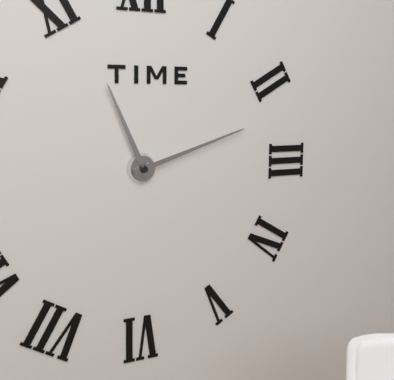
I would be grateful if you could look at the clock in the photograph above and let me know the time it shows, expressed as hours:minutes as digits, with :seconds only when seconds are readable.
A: 11:12
